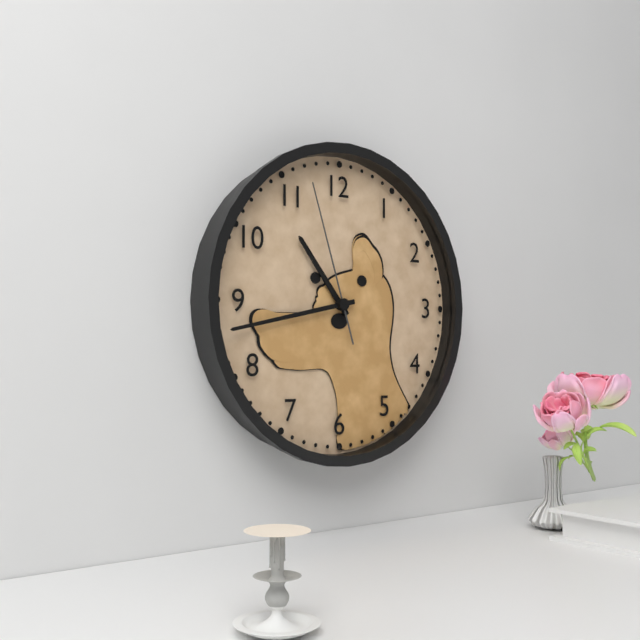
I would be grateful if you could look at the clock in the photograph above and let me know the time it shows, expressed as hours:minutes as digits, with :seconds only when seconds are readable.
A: 10:43:57
